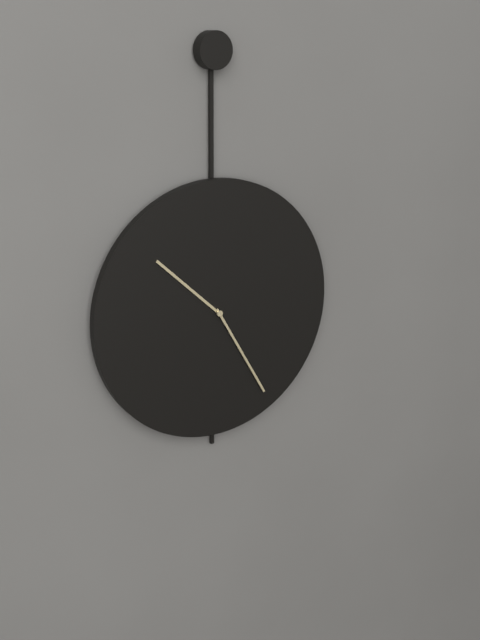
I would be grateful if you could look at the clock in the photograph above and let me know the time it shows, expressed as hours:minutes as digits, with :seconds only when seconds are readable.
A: 10:25
